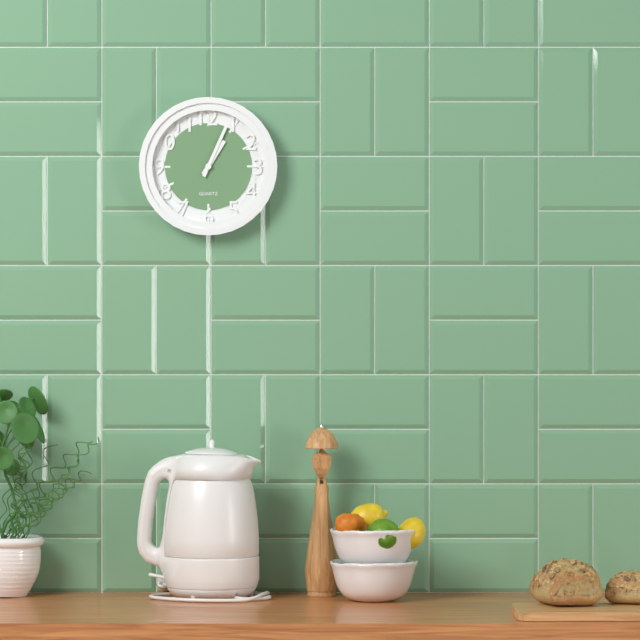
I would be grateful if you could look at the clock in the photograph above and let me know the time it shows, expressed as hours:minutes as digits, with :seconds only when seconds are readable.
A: 1:04
